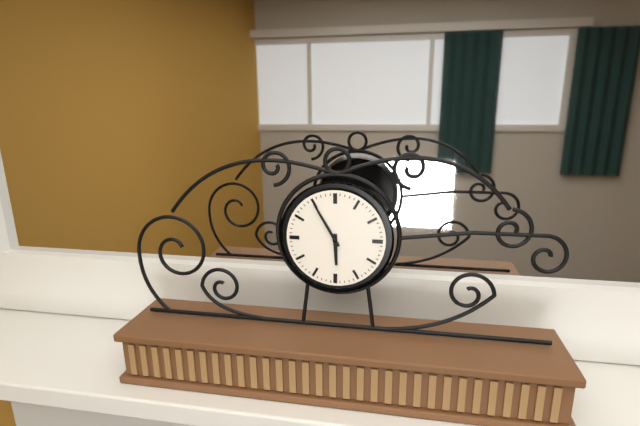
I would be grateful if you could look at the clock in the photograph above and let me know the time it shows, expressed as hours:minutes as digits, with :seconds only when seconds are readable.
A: 5:55
